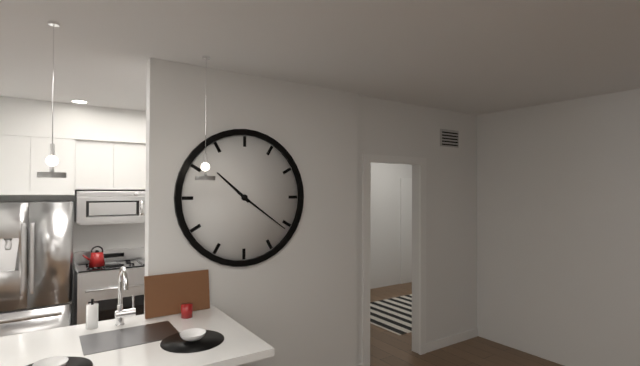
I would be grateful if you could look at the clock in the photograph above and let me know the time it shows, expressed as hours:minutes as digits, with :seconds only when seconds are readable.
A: 10:21
